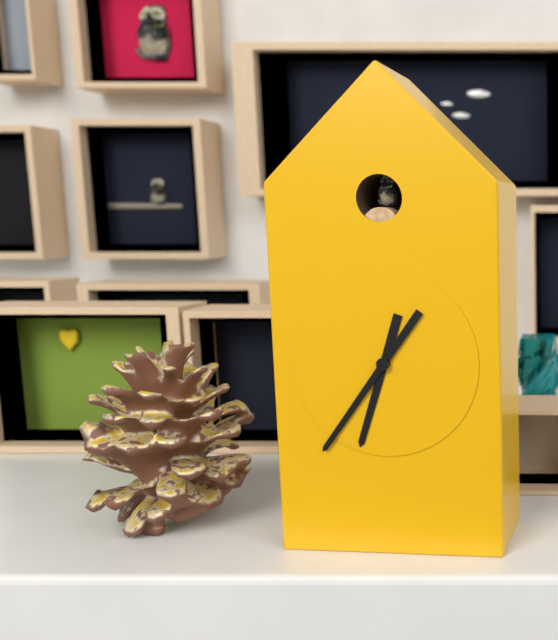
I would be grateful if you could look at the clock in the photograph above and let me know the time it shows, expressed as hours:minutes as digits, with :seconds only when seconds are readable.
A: 6:36
